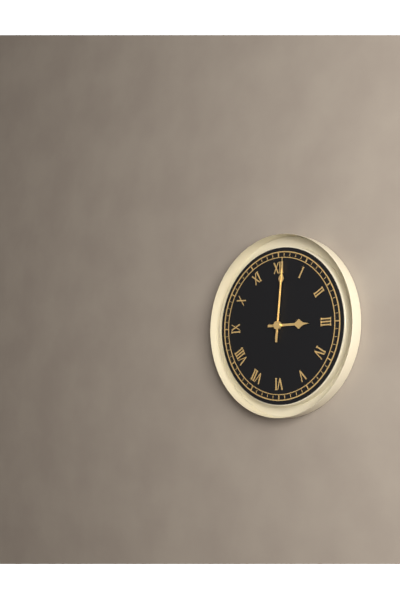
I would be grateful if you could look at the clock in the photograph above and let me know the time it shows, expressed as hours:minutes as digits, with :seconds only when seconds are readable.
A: 3:01:01
